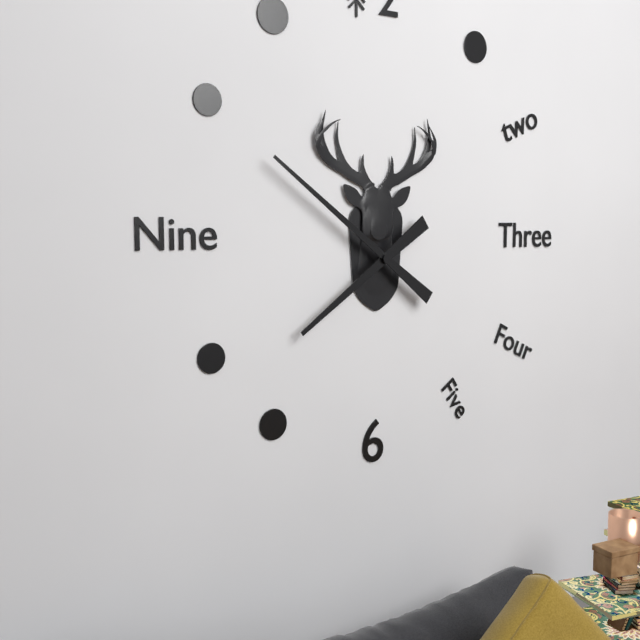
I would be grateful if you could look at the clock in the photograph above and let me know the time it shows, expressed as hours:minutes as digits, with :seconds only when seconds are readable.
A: 7:51
